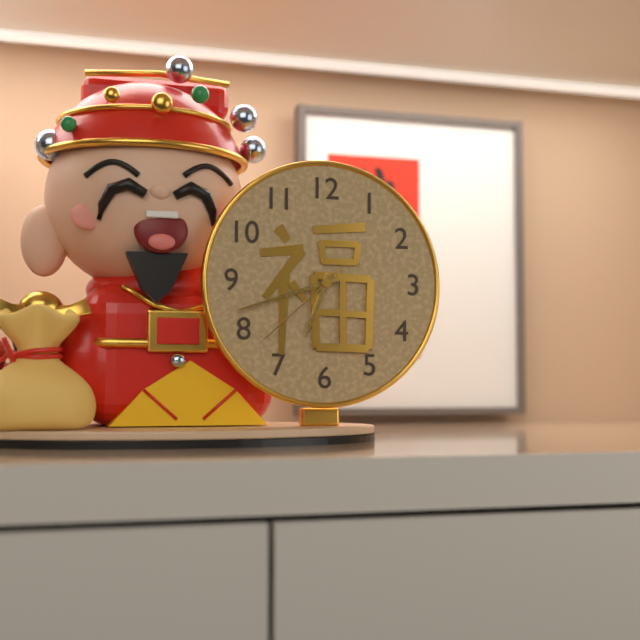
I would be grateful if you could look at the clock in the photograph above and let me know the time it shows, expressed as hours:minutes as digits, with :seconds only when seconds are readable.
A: 6:42:38
